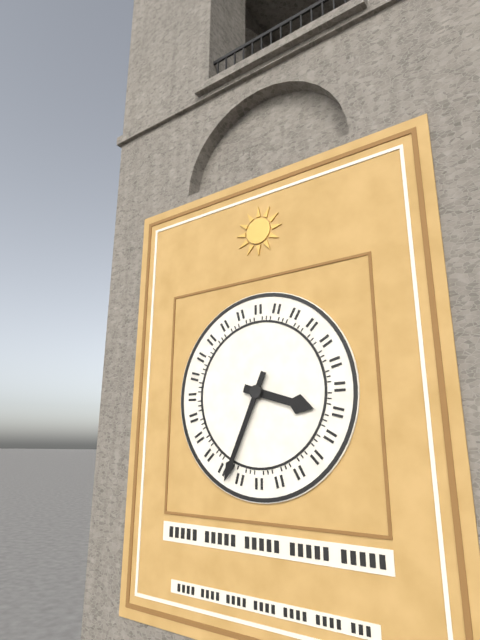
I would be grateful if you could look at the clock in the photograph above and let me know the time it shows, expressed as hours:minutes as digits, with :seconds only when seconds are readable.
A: 3:34
